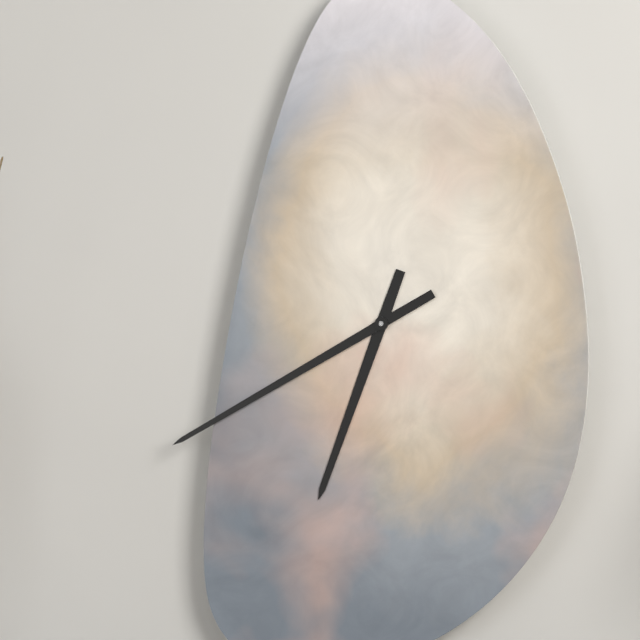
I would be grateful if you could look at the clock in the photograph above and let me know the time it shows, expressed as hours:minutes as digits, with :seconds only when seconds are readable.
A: 6:40
